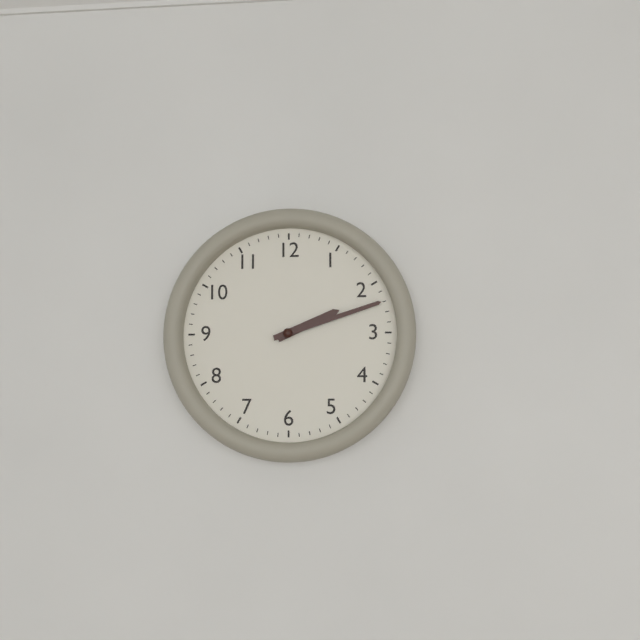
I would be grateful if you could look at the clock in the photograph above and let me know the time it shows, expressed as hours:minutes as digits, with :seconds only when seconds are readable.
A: 2:12
